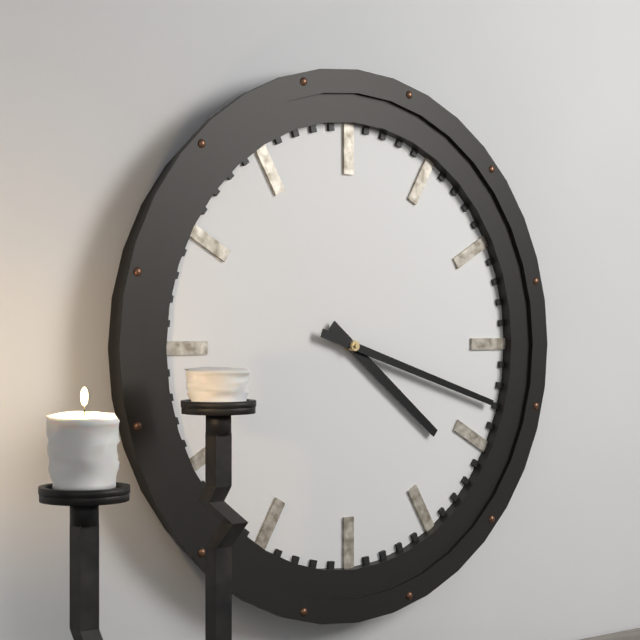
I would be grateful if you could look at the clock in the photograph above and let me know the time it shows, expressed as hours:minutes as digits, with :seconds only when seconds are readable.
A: 4:18
